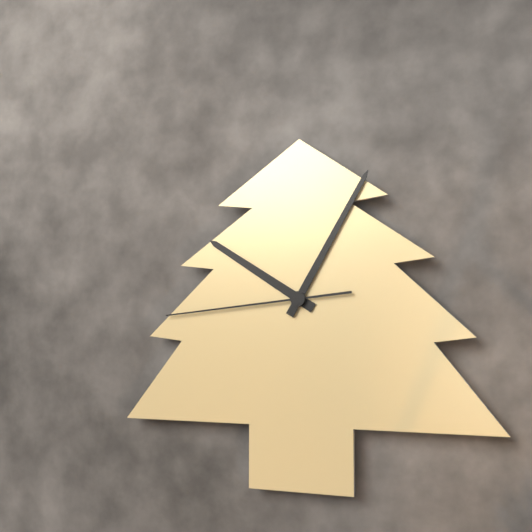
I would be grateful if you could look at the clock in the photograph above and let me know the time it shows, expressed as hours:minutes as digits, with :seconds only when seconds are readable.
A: 10:05:44
